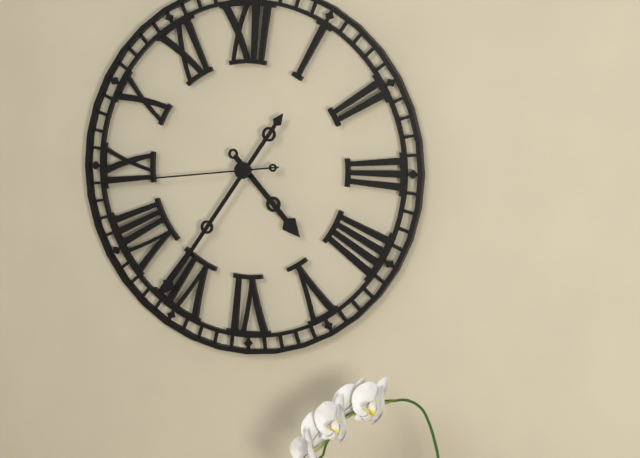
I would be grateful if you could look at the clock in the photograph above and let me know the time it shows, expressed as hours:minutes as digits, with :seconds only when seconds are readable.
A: 4:36:44
